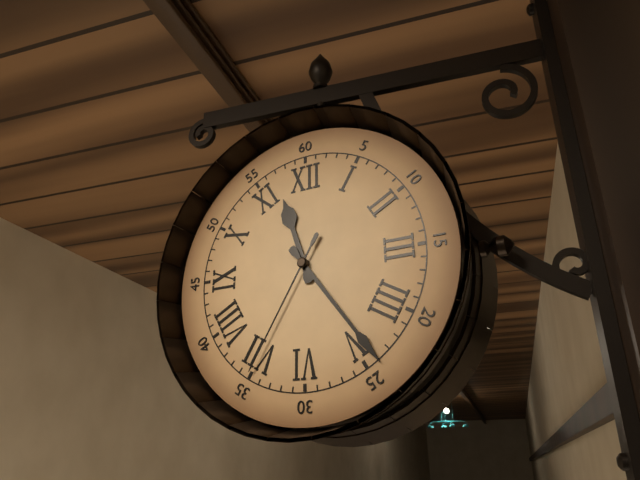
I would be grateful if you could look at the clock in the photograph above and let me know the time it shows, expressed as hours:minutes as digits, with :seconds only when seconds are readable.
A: 11:24:35
